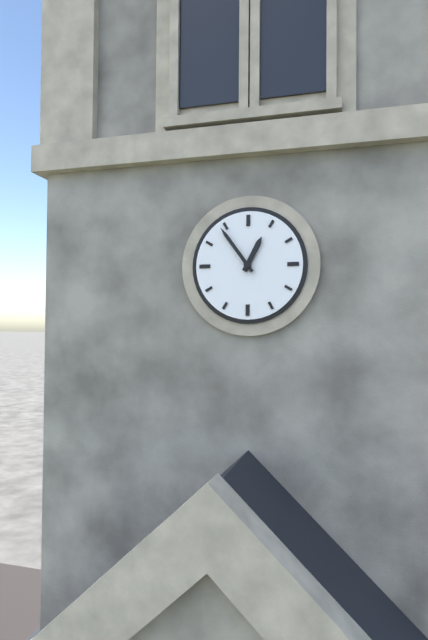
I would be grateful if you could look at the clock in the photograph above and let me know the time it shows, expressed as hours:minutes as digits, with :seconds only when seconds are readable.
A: 12:54
